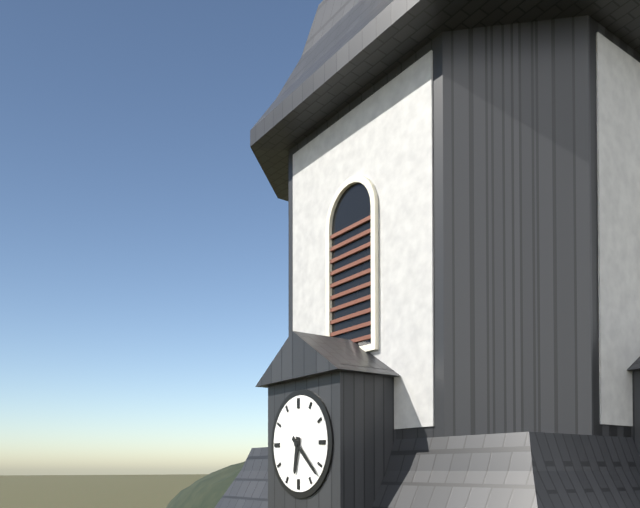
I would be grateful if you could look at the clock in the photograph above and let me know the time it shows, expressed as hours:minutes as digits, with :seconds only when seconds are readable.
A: 6:22
